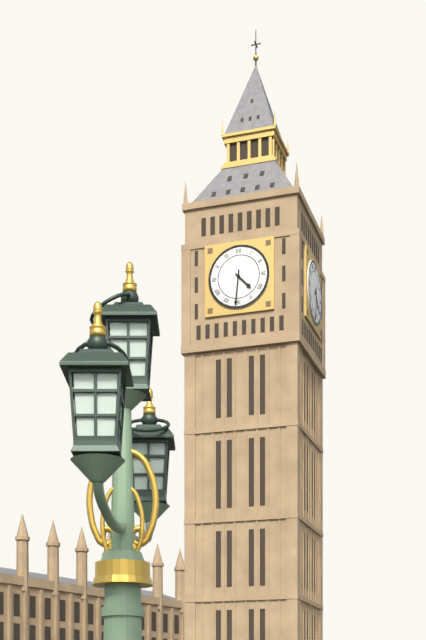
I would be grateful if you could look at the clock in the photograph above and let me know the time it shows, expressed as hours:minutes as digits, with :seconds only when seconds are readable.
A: 4:31
